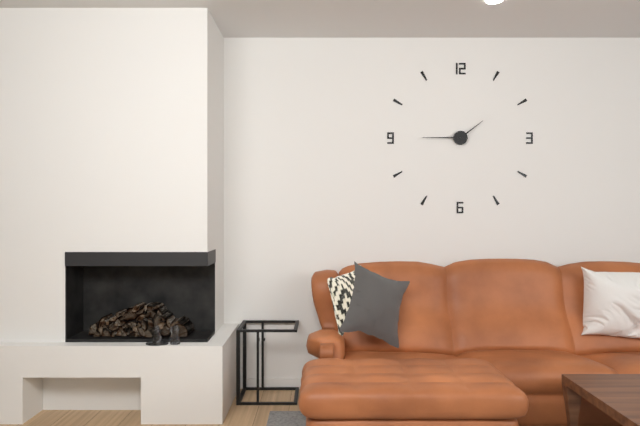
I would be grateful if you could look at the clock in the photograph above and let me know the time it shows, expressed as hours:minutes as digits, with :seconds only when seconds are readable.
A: 1:45
